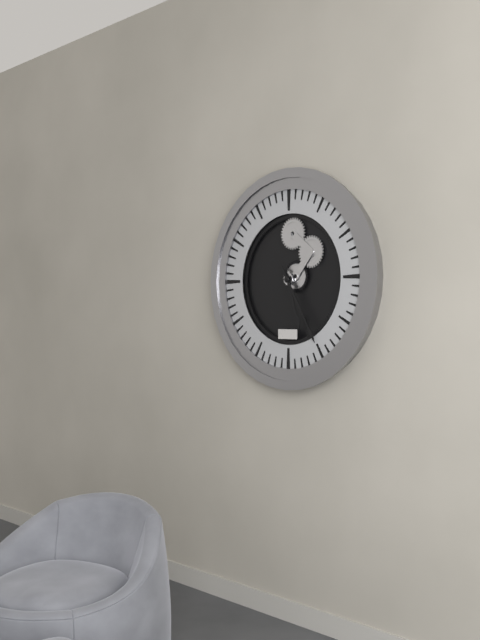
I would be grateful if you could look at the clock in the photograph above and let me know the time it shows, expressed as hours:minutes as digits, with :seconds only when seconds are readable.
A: 5:25
